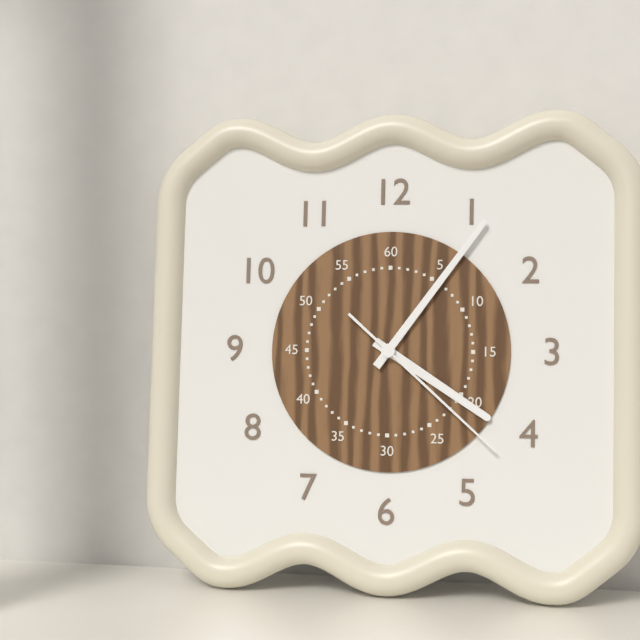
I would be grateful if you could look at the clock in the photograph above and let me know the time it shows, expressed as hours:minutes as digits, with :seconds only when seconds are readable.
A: 4:06:22
